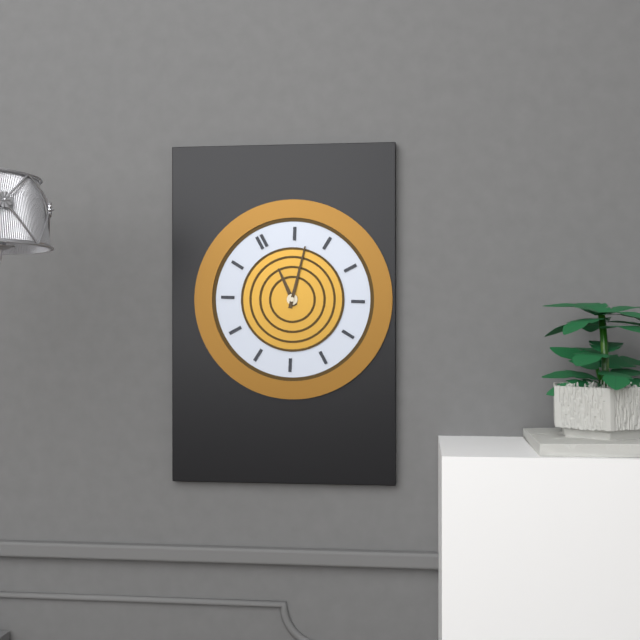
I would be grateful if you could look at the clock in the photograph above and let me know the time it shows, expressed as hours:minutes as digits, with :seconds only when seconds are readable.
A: 12:07
